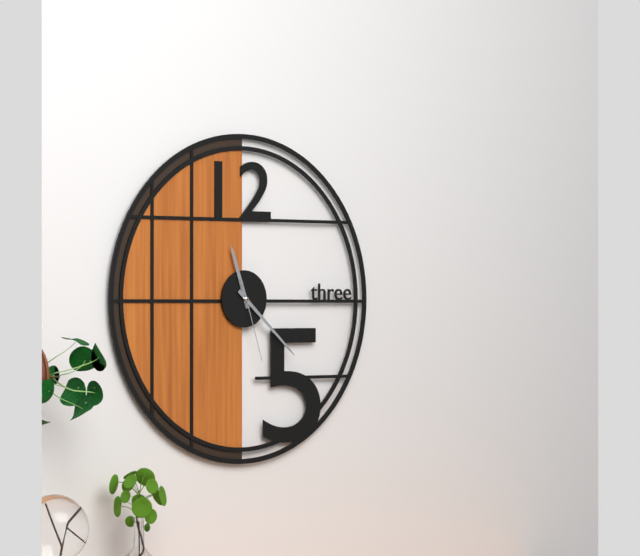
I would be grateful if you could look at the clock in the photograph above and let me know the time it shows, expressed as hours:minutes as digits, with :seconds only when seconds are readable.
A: 11:22:27
